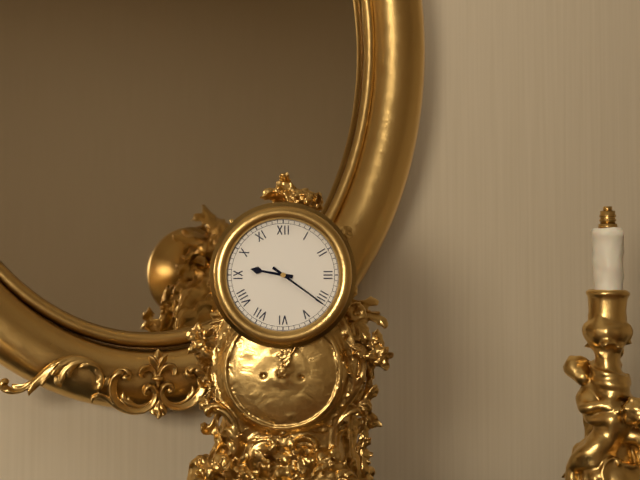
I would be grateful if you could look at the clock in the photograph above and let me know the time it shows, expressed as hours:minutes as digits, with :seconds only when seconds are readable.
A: 9:21
